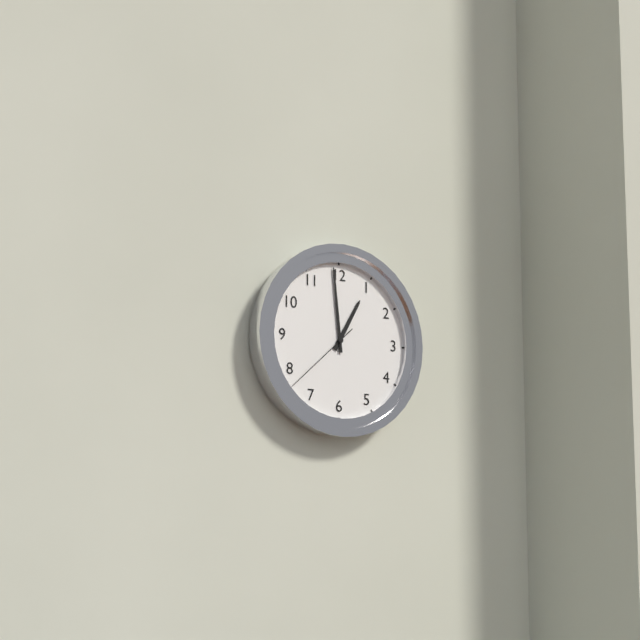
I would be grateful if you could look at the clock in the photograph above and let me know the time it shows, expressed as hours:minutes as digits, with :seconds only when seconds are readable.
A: 12:59:38
